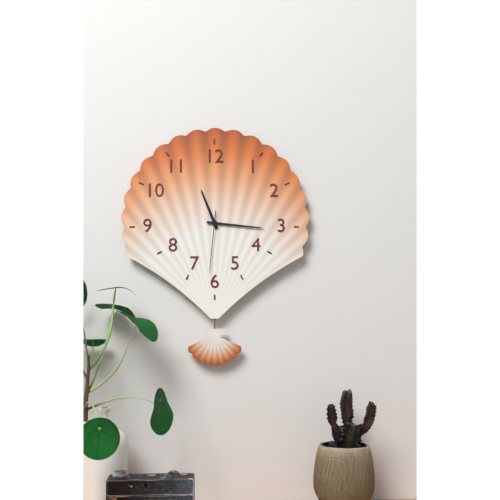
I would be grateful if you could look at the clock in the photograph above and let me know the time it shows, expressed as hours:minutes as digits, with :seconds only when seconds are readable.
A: 11:16:31
